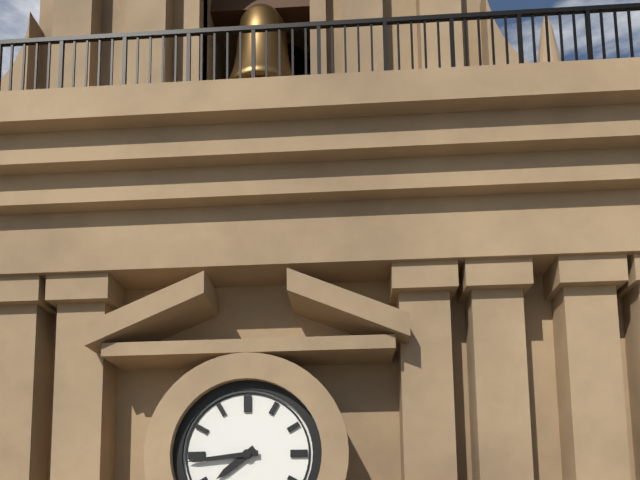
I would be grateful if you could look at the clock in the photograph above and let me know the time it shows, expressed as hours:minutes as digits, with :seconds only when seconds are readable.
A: 7:44
